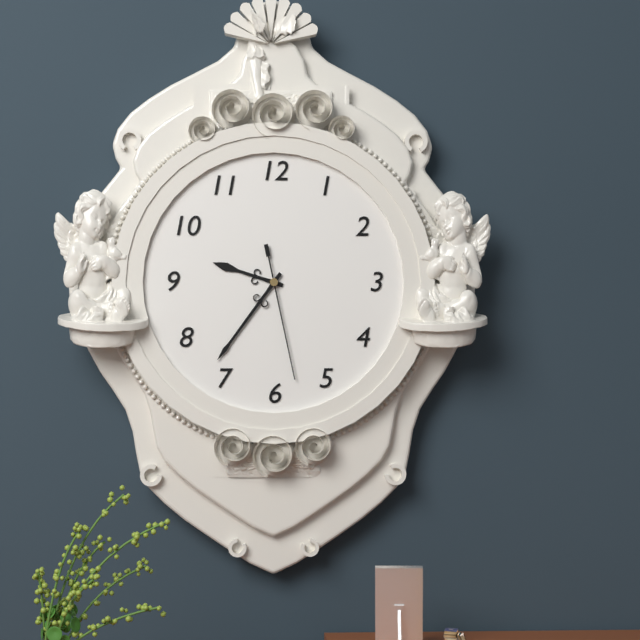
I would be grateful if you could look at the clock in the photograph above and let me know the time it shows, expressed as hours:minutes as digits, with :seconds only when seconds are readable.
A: 9:36:28
